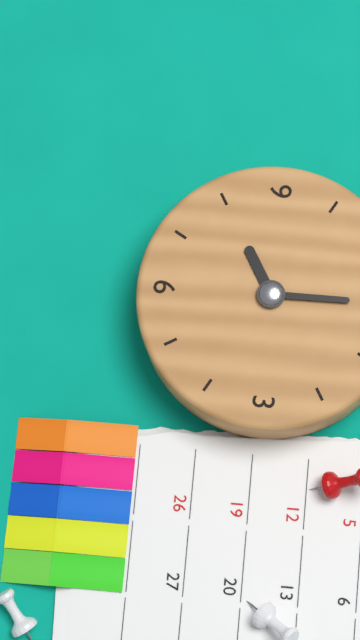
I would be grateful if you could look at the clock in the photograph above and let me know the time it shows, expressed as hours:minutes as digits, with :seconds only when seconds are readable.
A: 8:00
